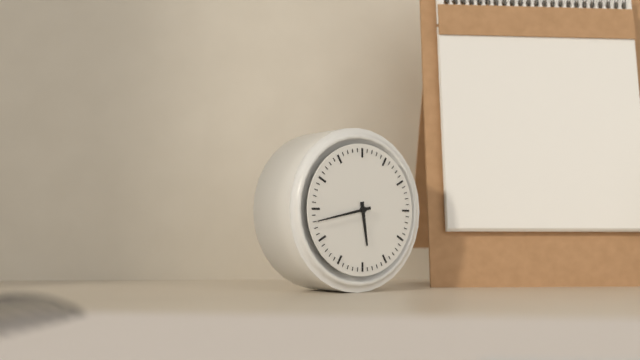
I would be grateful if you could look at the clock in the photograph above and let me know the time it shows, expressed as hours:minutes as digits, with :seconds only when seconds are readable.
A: 5:43
